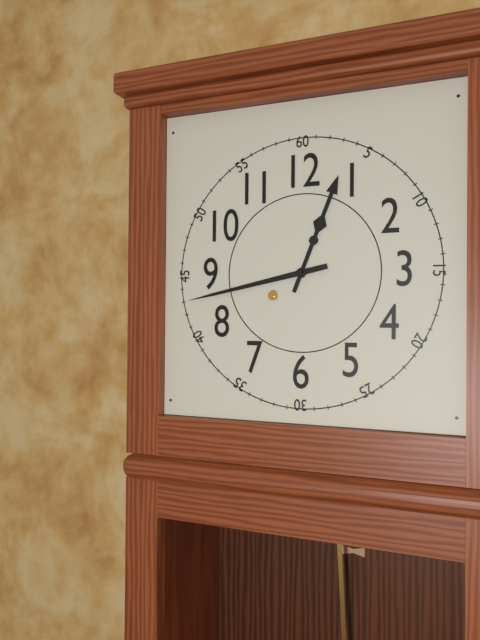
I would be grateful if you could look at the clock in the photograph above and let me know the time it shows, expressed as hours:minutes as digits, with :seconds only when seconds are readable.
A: 12:43
